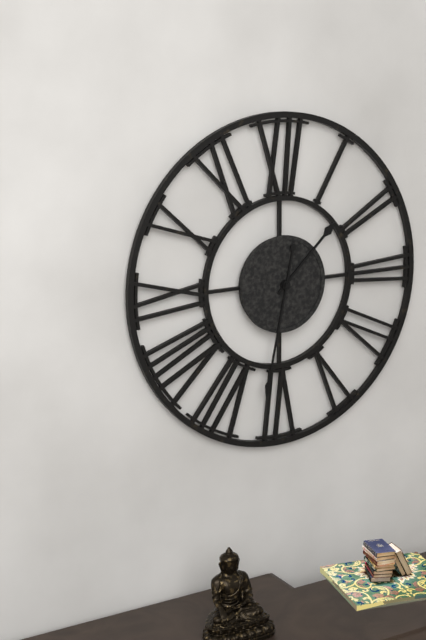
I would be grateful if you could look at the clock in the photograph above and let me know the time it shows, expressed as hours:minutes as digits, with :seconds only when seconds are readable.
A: 1:32
